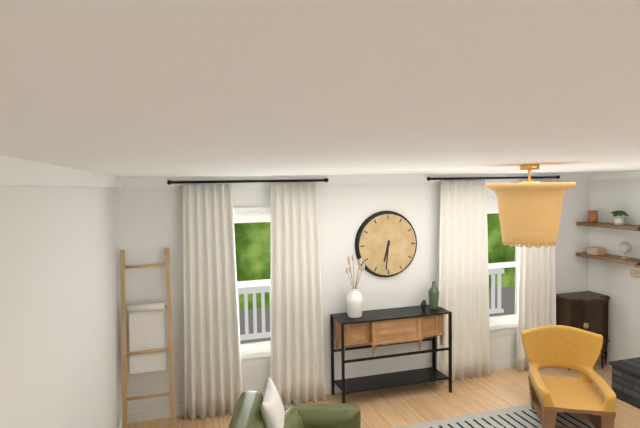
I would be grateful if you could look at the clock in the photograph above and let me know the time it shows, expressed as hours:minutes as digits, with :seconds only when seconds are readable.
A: 6:31
